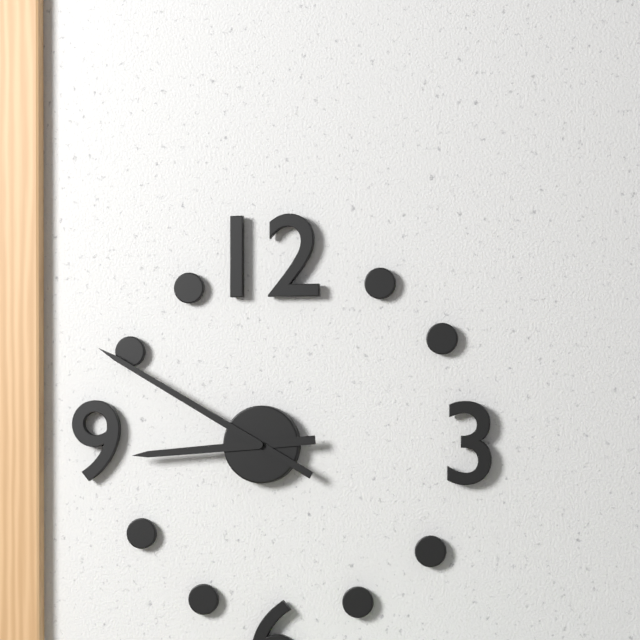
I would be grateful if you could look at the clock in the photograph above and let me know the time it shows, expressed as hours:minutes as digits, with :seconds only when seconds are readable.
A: 8:50
